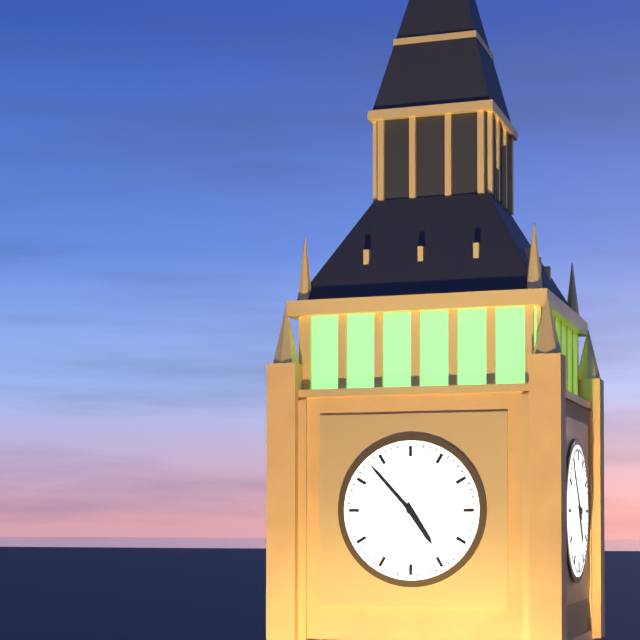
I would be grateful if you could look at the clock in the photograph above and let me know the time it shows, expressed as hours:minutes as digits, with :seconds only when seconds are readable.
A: 4:53
